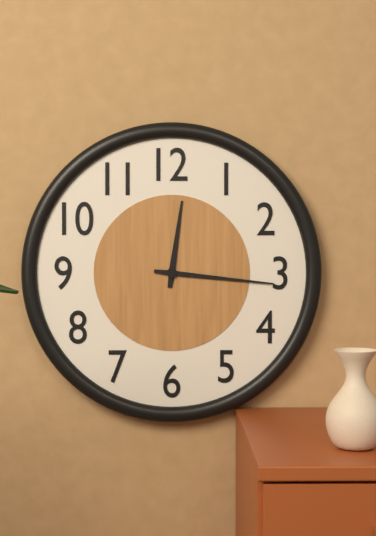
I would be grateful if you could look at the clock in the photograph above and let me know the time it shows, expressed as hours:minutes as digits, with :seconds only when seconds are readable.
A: 12:16
